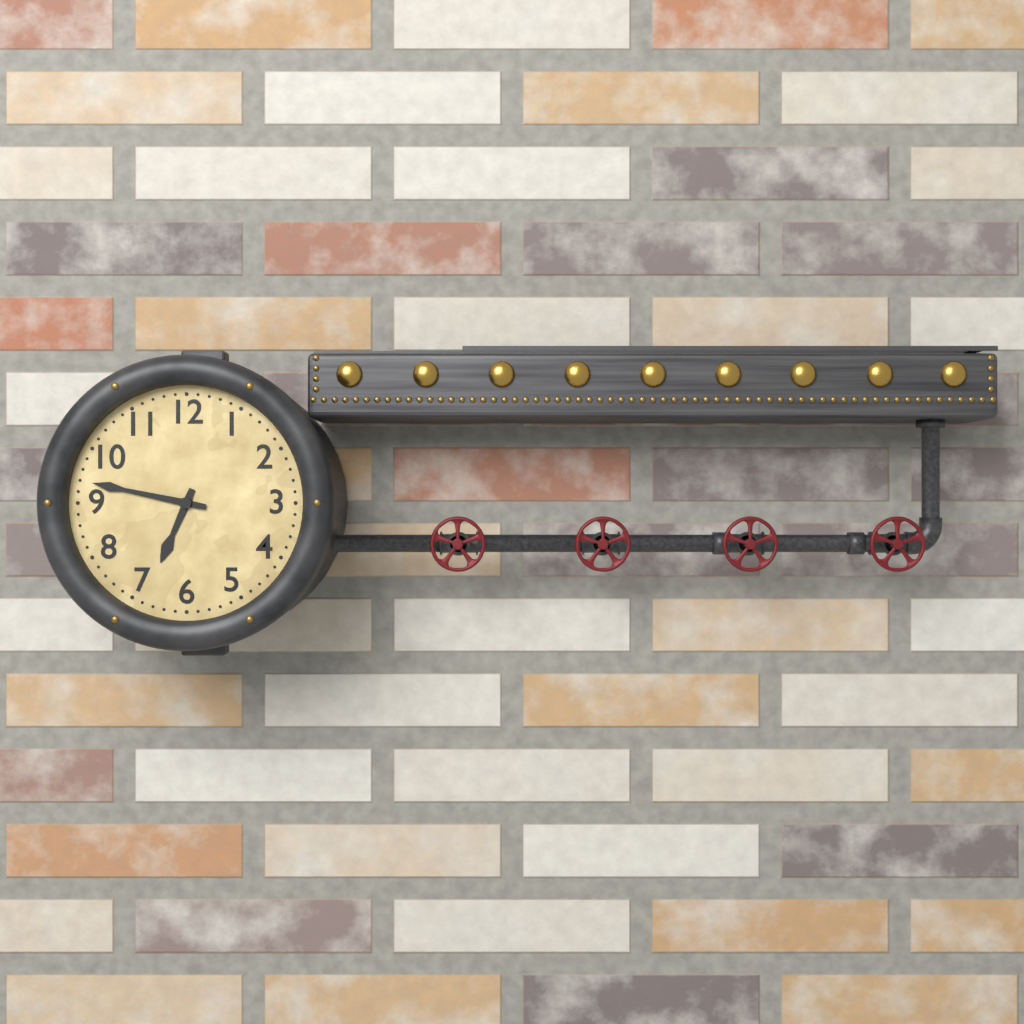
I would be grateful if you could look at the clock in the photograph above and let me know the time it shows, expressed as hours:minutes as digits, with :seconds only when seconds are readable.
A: 6:47
